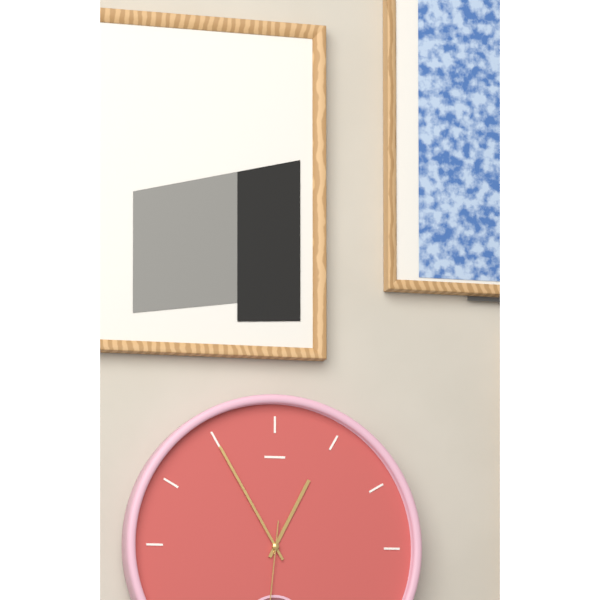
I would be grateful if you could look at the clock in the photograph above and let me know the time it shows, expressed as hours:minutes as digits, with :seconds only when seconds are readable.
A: 12:55
